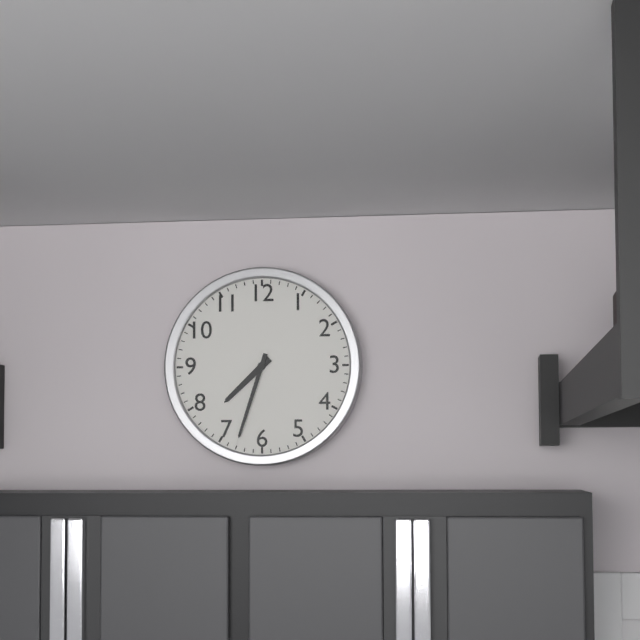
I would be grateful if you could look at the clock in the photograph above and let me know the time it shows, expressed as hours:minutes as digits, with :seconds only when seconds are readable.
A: 7:33
